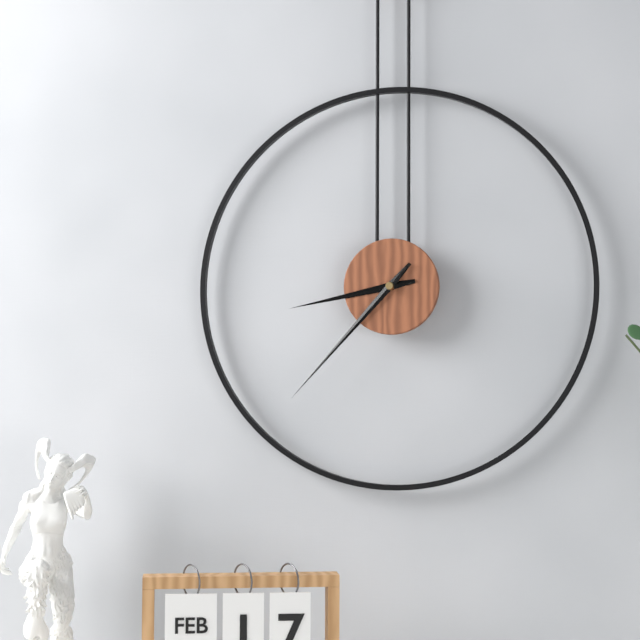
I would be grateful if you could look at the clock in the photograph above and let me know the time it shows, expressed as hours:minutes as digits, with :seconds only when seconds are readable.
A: 8:37
